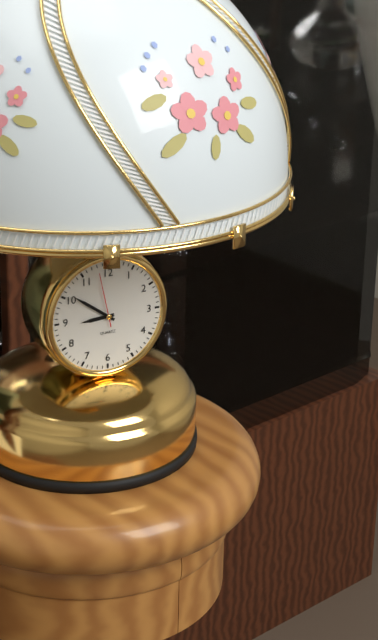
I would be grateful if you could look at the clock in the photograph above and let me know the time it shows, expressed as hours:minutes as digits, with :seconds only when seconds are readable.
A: 8:51:58
